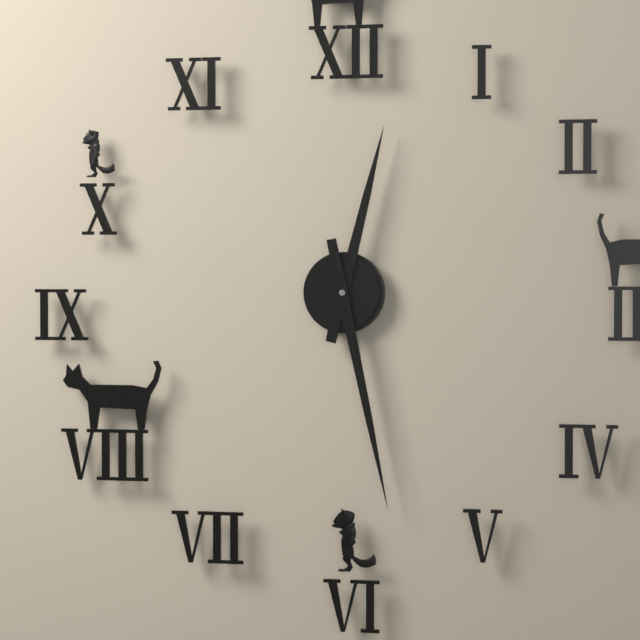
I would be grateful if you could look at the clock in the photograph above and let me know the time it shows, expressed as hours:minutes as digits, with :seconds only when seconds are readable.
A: 12:28
